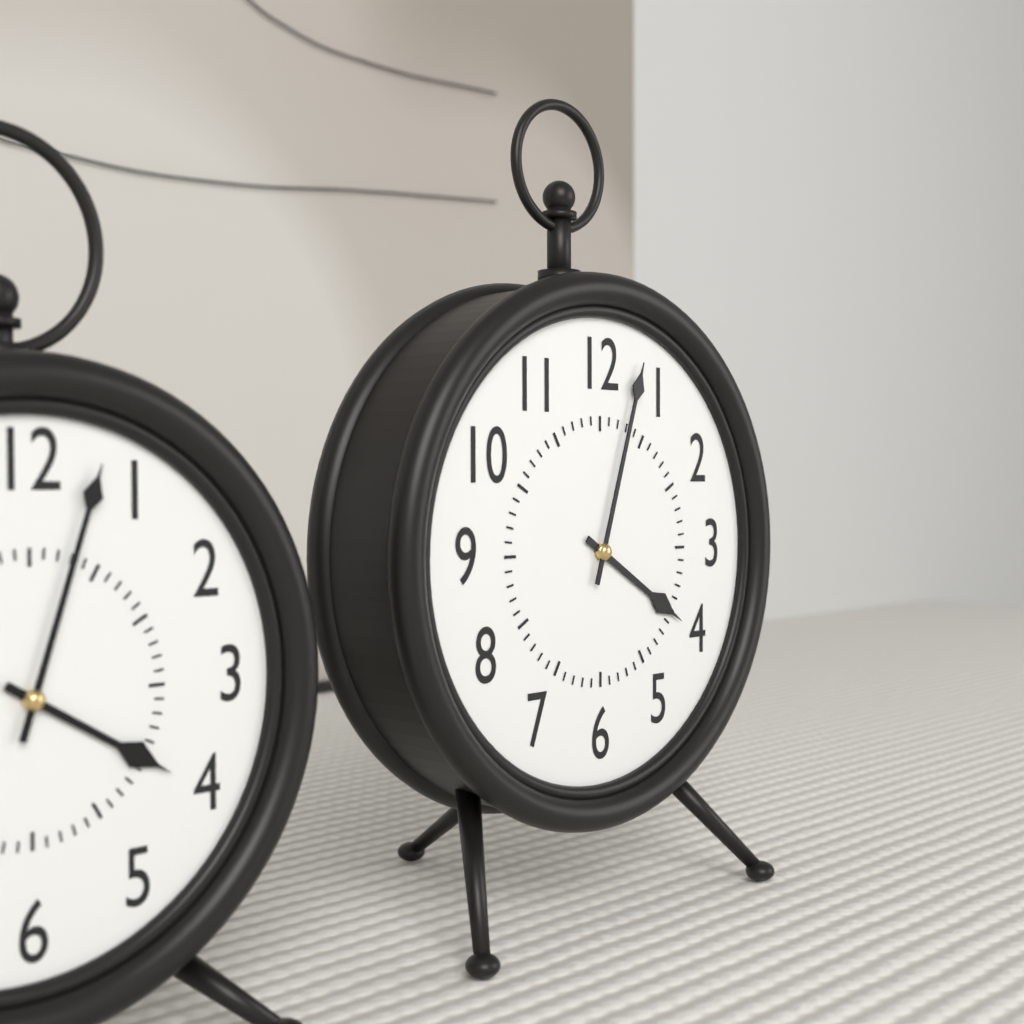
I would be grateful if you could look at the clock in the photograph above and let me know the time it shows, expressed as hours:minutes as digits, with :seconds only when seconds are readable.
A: 4:03
